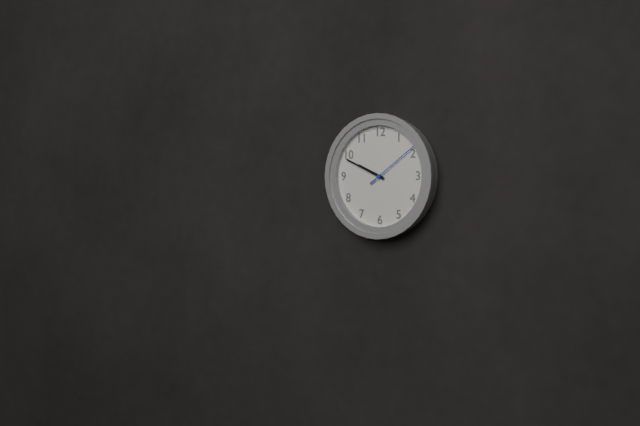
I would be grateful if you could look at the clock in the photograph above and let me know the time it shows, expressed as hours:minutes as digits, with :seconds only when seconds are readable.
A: 9:49:09
